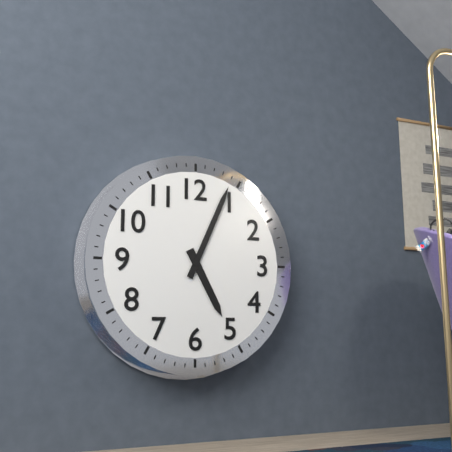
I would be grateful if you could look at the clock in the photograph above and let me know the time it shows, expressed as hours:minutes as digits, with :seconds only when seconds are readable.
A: 5:04
